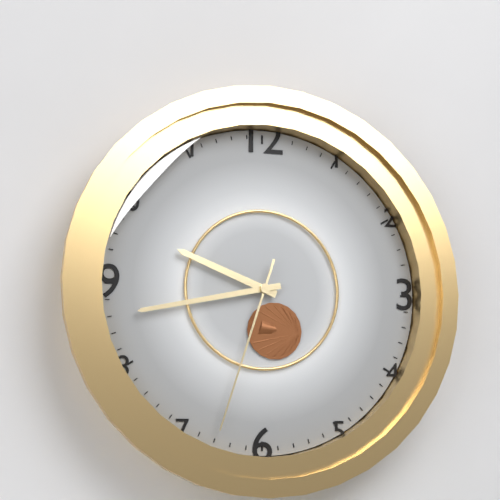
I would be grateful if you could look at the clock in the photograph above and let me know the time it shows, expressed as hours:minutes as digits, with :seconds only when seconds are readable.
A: 9:43:33
